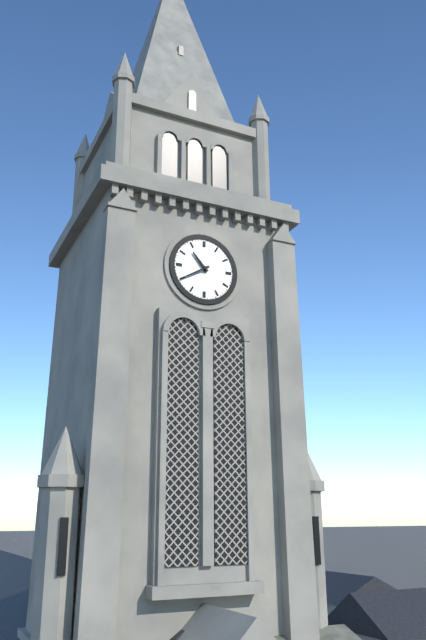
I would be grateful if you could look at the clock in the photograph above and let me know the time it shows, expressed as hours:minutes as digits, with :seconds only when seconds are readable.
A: 10:40
